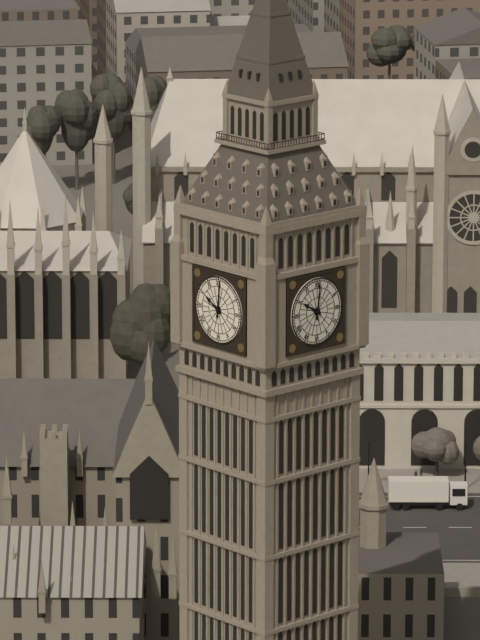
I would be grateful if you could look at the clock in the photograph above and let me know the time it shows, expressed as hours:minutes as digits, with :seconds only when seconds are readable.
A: 10:01
